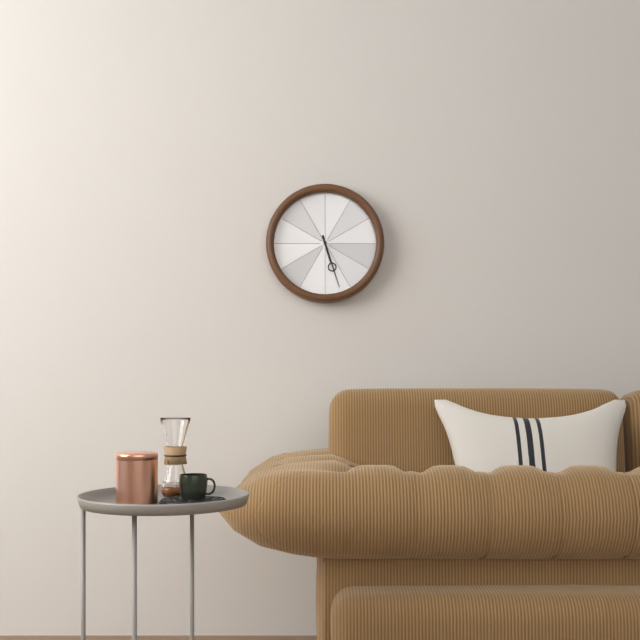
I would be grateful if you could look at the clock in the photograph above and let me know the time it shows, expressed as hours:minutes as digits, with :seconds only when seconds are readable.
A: 5:27
